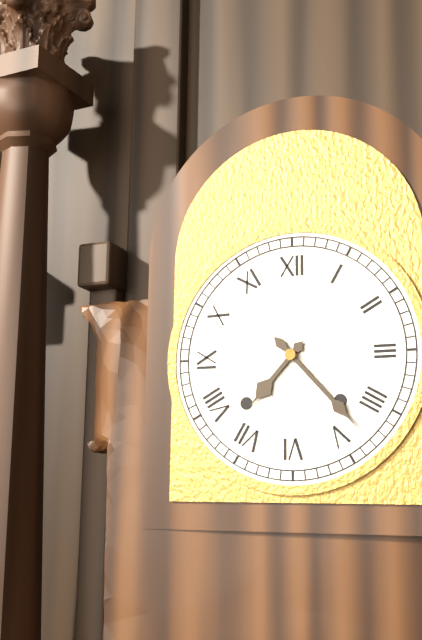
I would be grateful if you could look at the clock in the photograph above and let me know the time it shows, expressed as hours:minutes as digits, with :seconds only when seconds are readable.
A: 7:23
